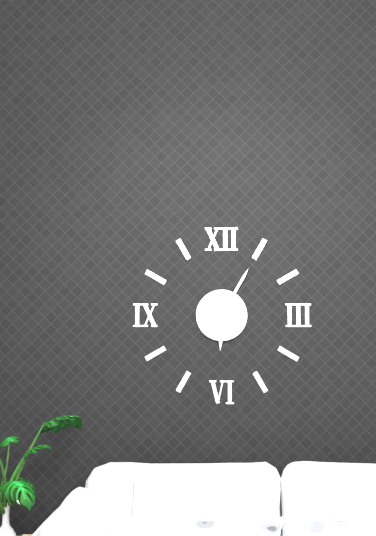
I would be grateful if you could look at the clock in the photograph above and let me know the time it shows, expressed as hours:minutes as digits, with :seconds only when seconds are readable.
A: 6:05
